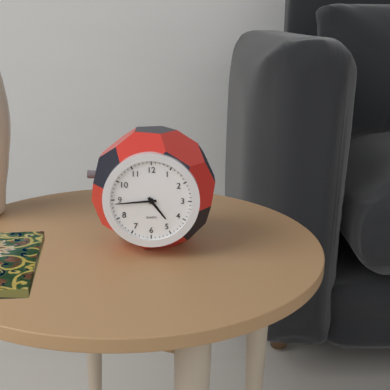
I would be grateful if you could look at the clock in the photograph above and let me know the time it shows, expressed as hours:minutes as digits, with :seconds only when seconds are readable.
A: 4:44
